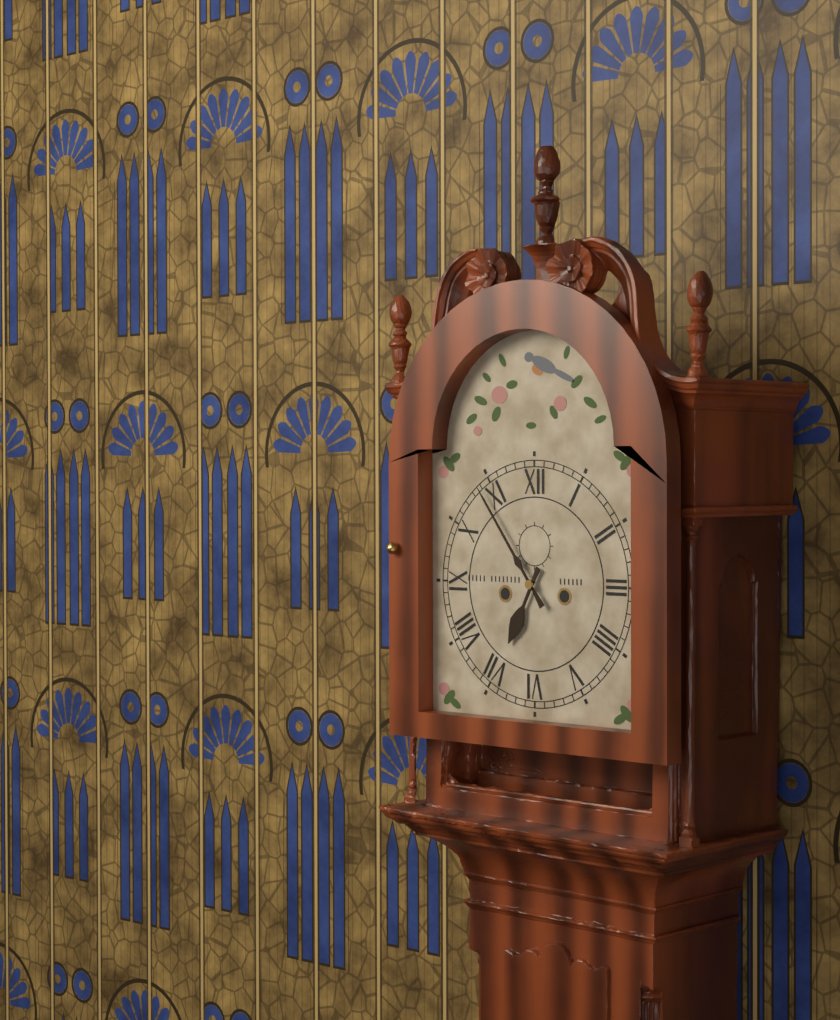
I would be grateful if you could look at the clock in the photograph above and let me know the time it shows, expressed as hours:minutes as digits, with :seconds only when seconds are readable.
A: 6:54
